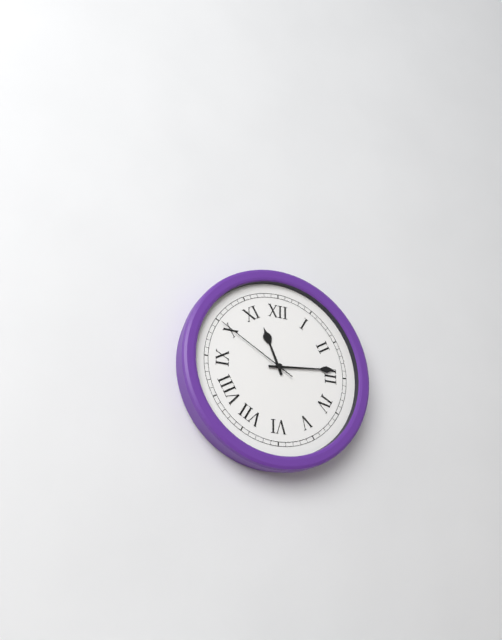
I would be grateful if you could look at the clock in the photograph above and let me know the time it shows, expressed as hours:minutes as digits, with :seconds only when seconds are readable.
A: 11:14:50
